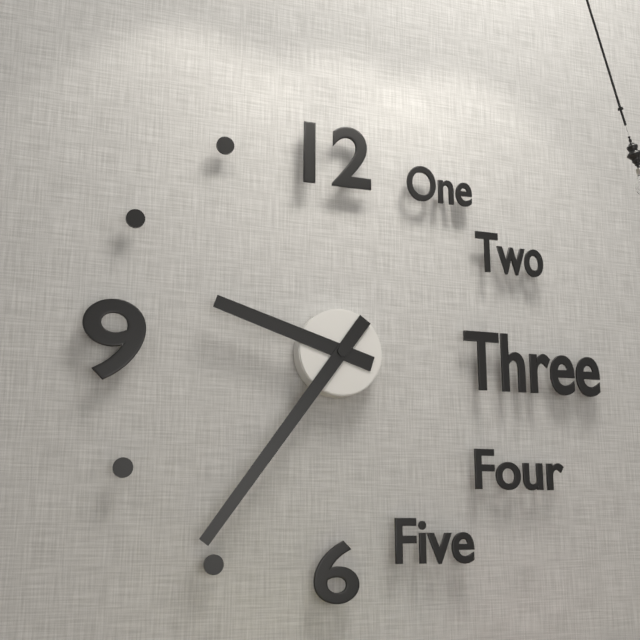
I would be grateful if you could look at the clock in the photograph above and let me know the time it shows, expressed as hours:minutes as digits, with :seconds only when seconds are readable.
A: 9:36
